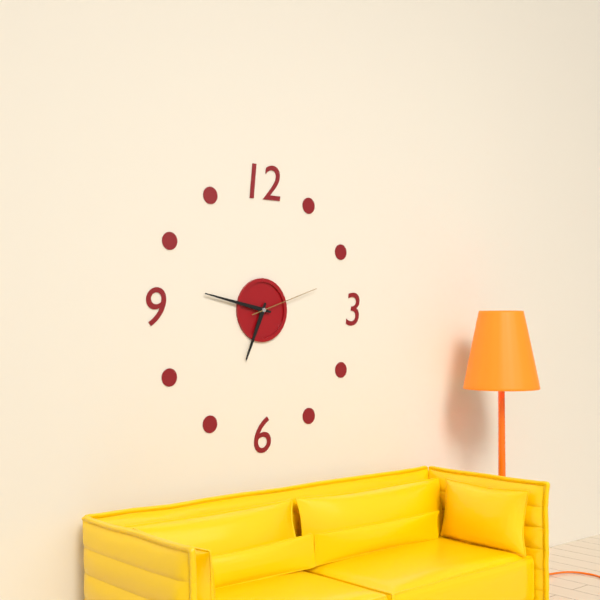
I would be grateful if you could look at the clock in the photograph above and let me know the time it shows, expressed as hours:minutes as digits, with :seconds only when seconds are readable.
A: 6:47:12
